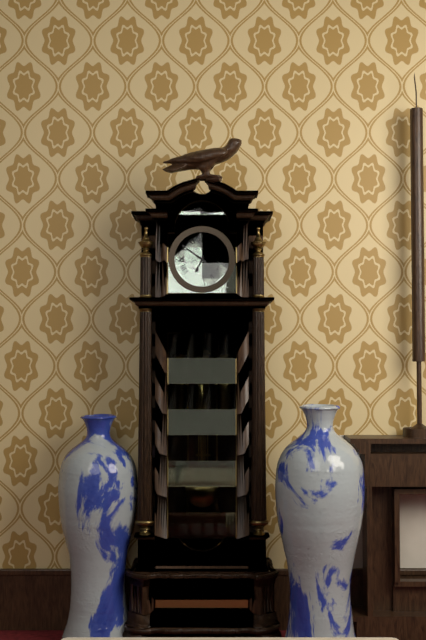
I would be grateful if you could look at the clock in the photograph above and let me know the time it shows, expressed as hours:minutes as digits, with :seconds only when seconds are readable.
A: 6:51
